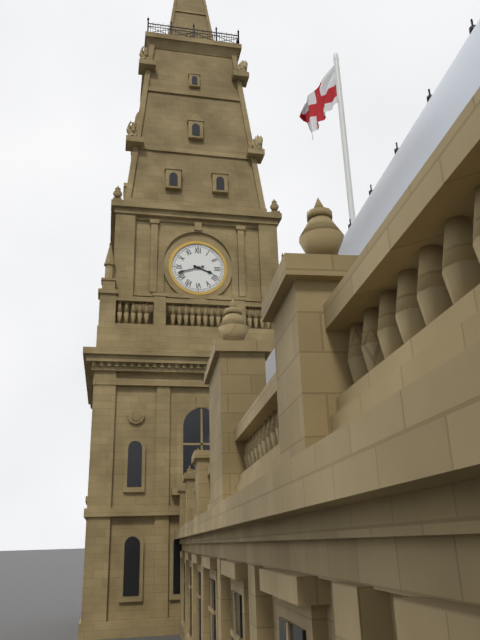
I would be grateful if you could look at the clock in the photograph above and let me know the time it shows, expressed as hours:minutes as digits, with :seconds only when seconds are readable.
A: 3:42
